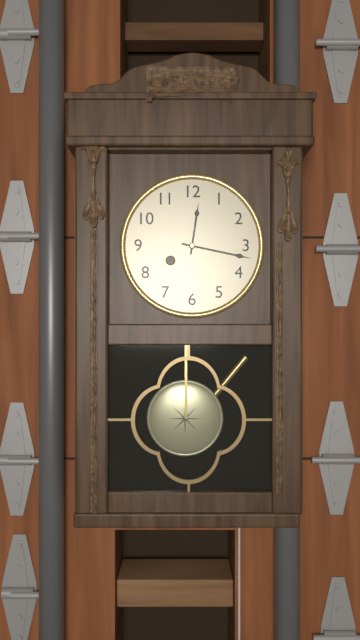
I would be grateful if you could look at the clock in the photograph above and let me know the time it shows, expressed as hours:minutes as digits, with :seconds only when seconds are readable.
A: 12:17
